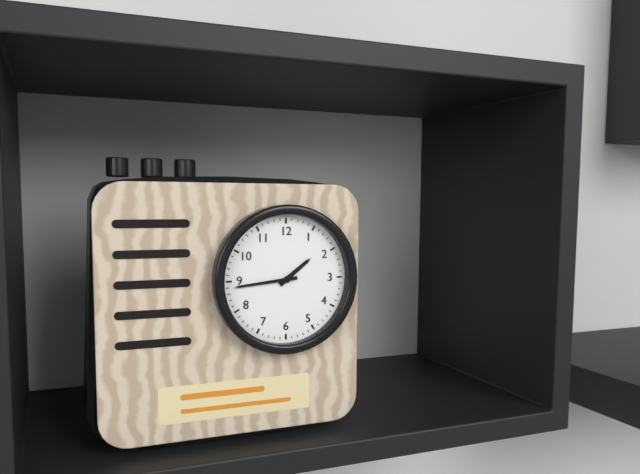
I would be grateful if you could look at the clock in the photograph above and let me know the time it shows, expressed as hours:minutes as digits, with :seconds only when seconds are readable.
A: 1:44
